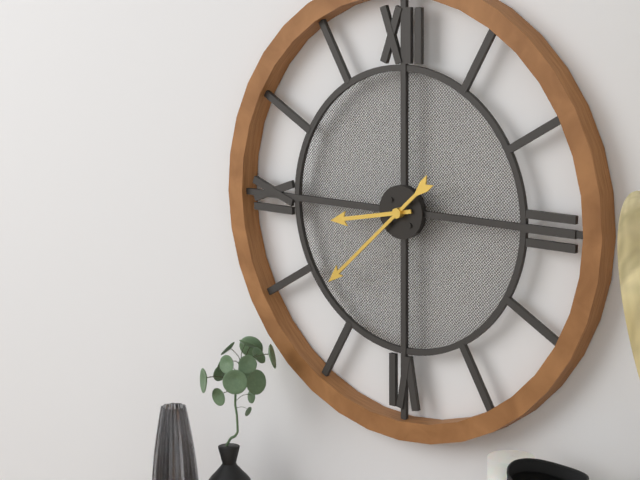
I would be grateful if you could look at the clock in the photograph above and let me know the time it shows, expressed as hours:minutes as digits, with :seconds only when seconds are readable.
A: 8:38
